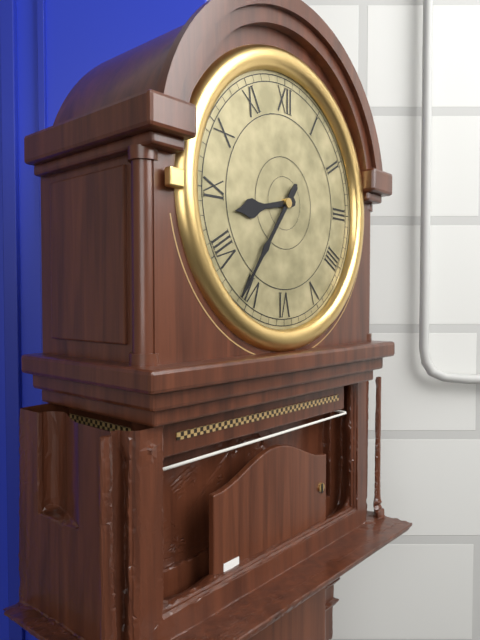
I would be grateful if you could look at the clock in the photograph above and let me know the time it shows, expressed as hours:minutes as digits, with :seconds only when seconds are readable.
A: 8:36
